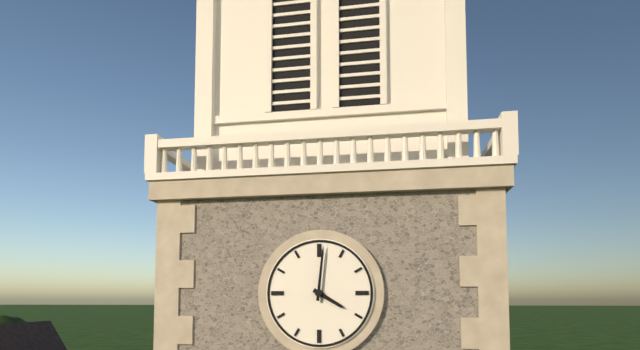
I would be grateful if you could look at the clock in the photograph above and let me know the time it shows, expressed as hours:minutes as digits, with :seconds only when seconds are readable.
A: 4:01
